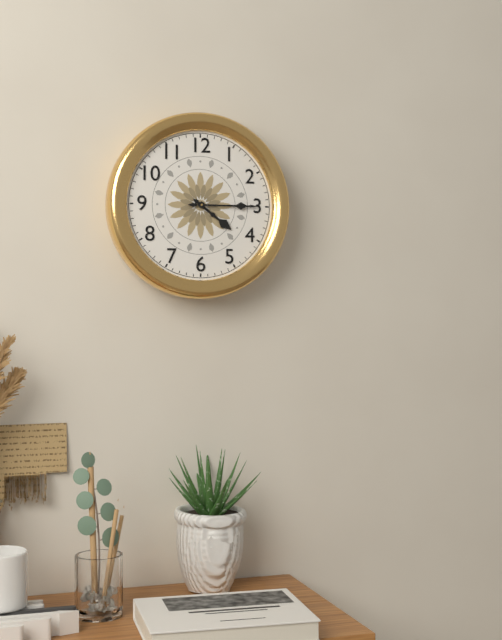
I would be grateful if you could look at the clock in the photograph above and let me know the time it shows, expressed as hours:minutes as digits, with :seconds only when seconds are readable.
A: 4:15
